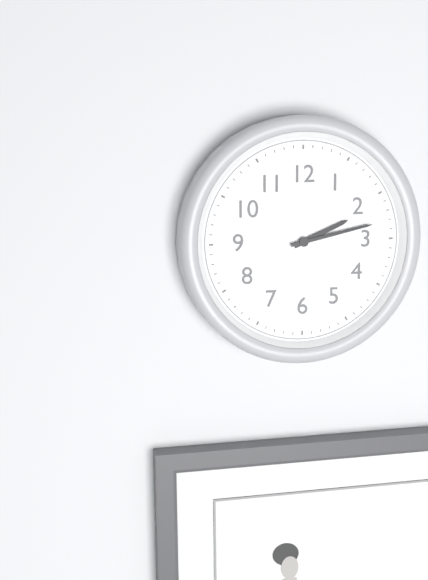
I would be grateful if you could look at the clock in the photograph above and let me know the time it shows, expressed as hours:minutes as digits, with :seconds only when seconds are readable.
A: 2:13
